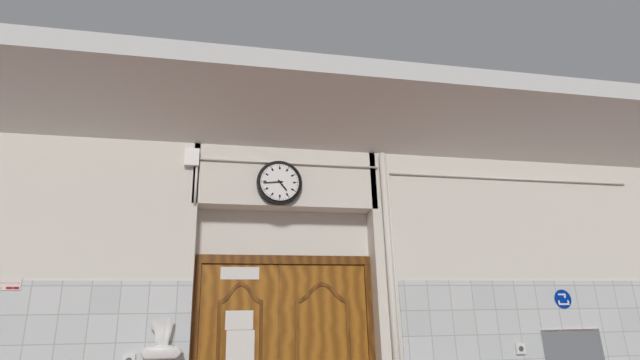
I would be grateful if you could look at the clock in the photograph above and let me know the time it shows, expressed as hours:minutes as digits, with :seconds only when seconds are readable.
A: 4:44
